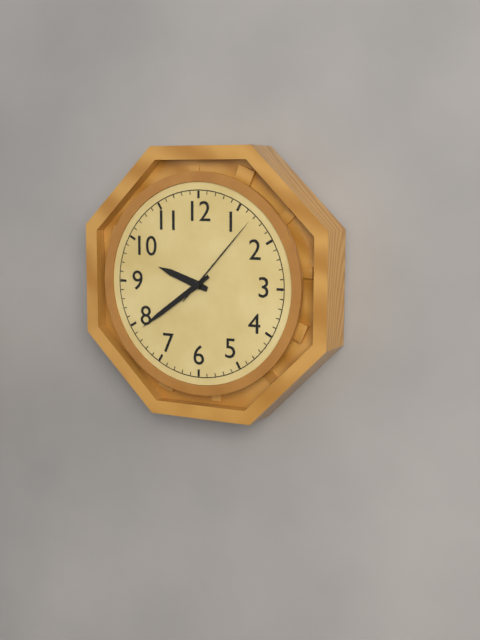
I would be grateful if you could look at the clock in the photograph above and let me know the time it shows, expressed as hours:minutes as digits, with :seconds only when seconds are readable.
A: 9:39:07
